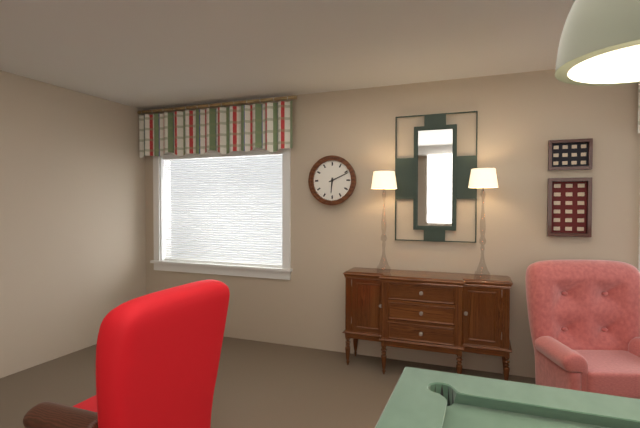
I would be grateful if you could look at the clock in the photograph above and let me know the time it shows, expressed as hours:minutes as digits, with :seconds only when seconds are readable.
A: 6:11
